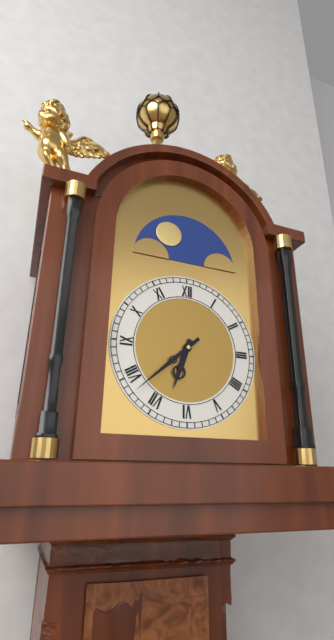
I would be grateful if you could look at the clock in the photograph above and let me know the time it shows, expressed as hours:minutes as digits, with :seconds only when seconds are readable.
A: 6:38
